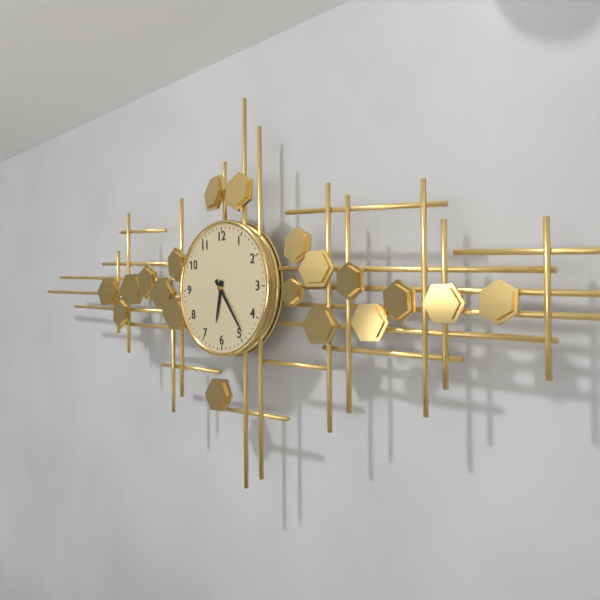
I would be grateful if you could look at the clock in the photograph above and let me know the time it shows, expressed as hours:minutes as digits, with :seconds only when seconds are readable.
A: 6:24
